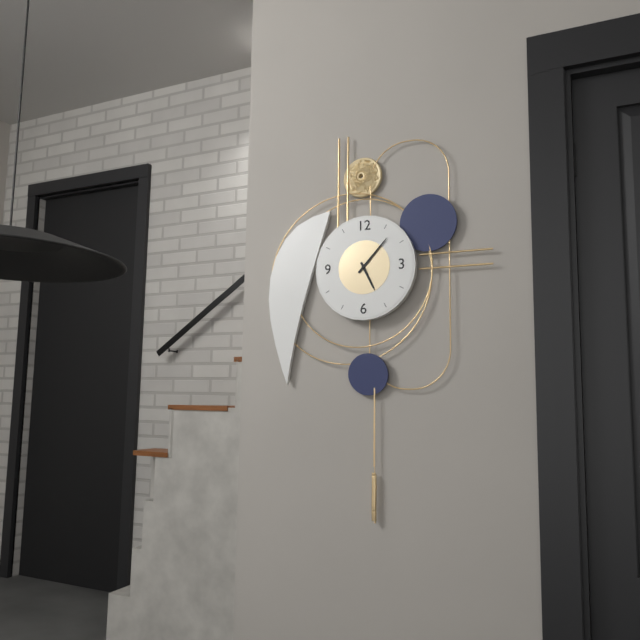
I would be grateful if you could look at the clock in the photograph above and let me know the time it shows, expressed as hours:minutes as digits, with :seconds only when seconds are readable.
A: 5:07
